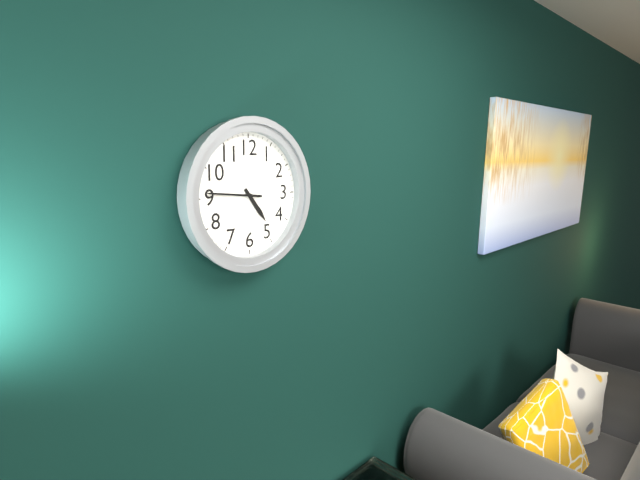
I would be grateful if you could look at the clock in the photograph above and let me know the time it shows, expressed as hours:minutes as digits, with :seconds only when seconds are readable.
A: 4:46
